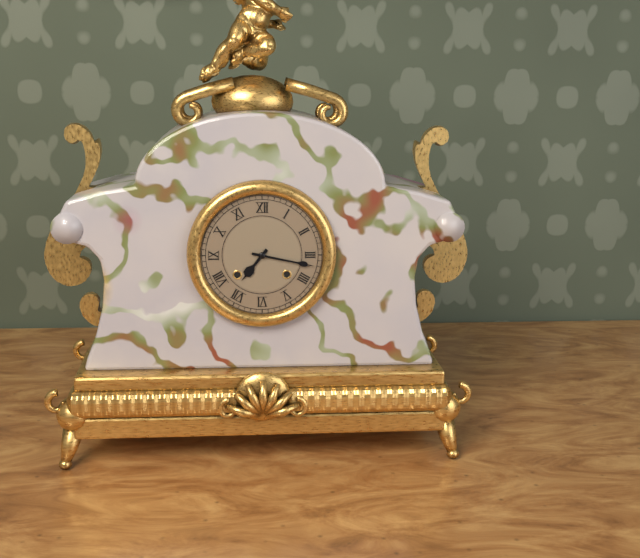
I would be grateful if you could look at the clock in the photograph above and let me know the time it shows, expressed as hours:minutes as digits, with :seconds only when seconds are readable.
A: 7:17
